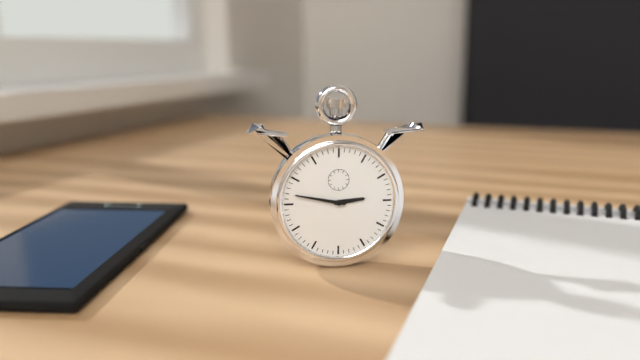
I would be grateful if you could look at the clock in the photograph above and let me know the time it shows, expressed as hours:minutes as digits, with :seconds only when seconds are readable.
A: 2:47
